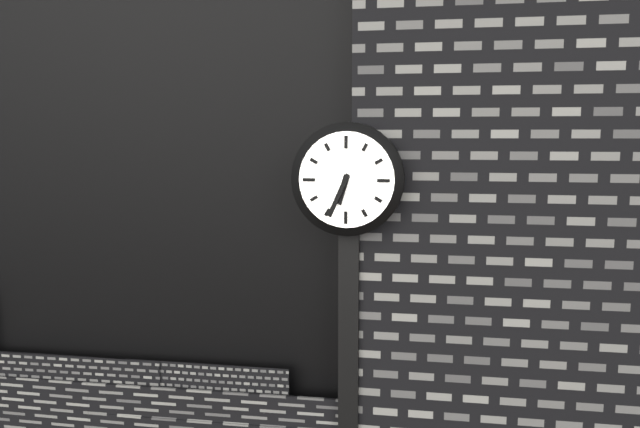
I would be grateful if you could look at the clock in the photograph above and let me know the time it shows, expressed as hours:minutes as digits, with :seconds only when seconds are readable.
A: 6:34
